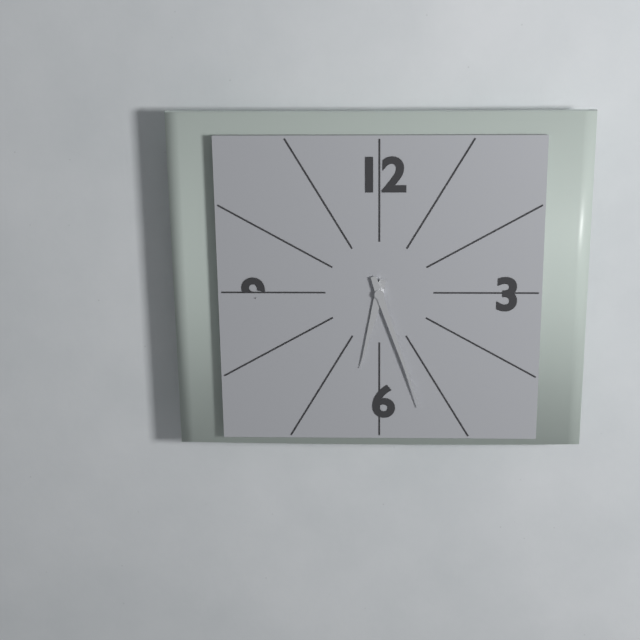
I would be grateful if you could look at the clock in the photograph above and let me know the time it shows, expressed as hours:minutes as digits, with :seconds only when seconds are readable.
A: 6:27
